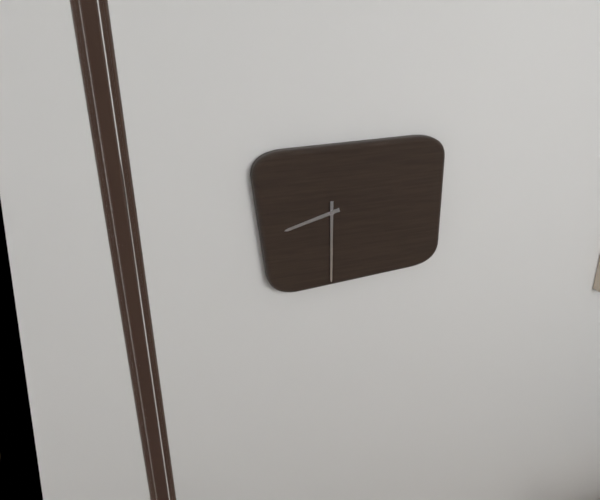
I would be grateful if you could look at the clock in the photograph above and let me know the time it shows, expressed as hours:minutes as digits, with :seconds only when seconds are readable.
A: 8:30
